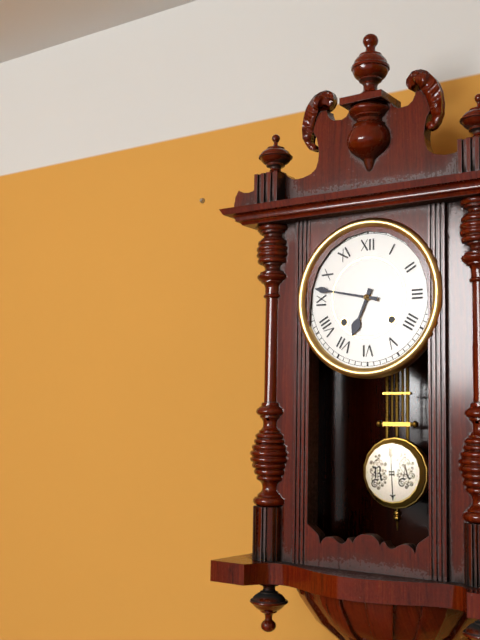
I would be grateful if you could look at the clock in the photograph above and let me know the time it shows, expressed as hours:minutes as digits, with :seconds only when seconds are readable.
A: 6:47
